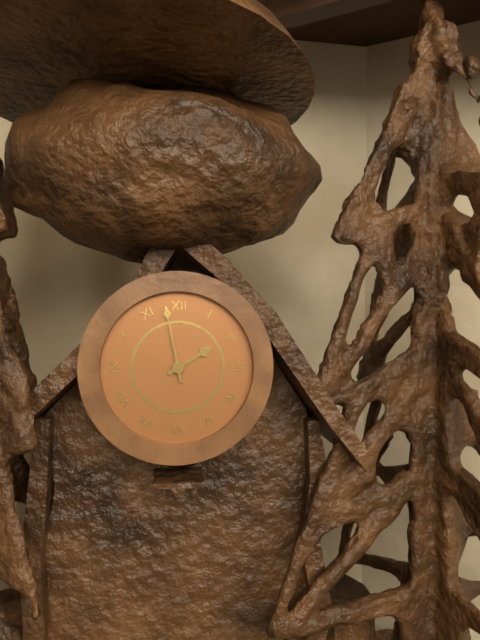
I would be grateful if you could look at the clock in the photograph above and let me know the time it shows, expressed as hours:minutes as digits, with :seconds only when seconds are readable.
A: 1:58
